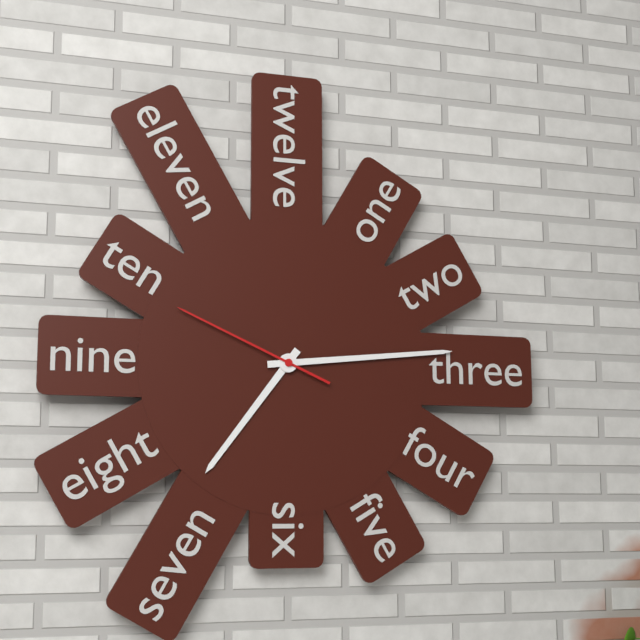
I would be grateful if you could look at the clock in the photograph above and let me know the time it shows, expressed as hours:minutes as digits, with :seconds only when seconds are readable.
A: 7:14:49
